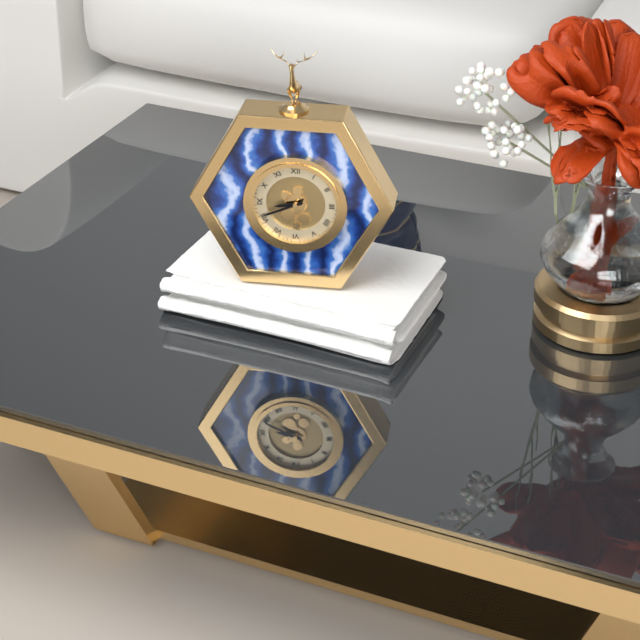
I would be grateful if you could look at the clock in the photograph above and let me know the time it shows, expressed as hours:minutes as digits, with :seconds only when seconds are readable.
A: 8:41
